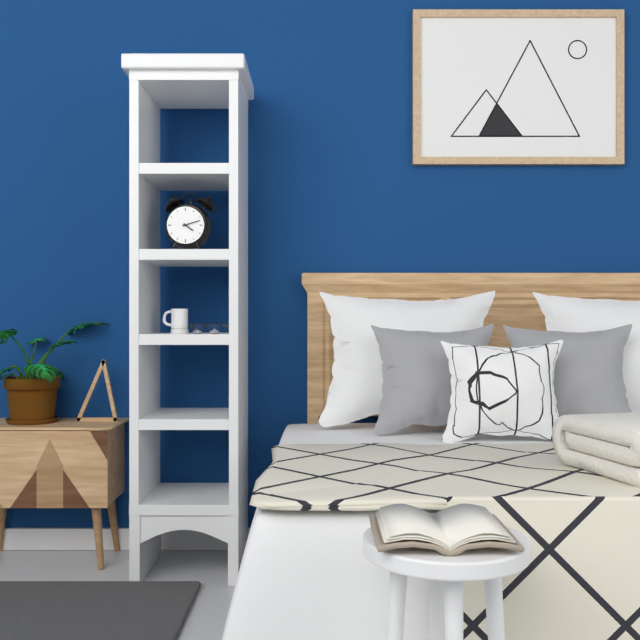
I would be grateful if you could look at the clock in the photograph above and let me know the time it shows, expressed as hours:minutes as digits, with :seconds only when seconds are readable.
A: 4:12
